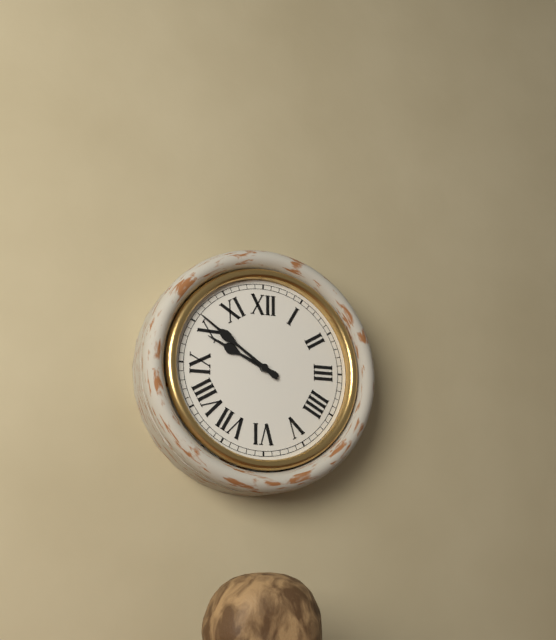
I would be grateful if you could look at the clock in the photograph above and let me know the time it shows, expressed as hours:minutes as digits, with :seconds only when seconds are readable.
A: 9:51
